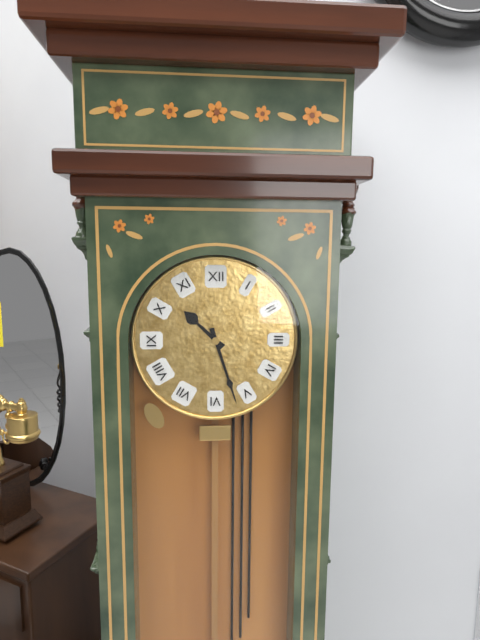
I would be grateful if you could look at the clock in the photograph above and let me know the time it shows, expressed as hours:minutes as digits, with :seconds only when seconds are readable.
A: 10:27
